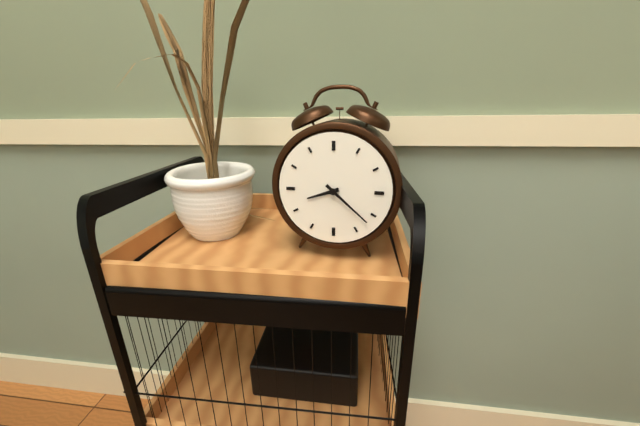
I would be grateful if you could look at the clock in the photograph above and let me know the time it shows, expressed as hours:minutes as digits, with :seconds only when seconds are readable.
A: 8:22
